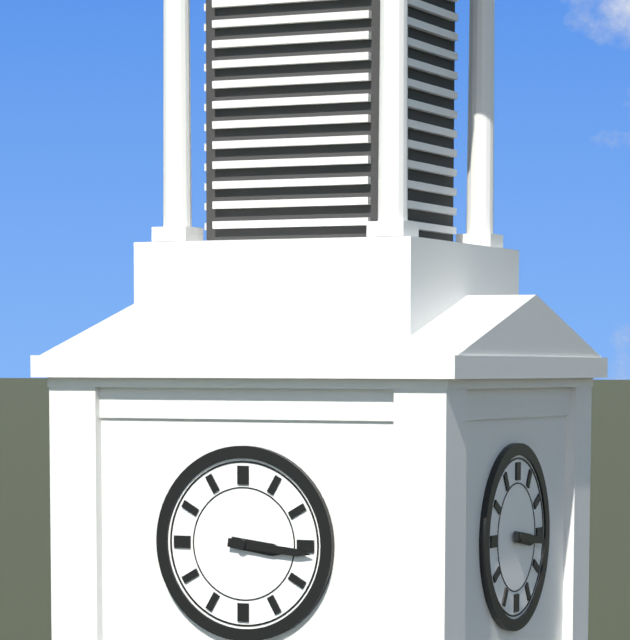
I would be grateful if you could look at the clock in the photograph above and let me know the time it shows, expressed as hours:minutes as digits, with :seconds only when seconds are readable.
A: 3:16
